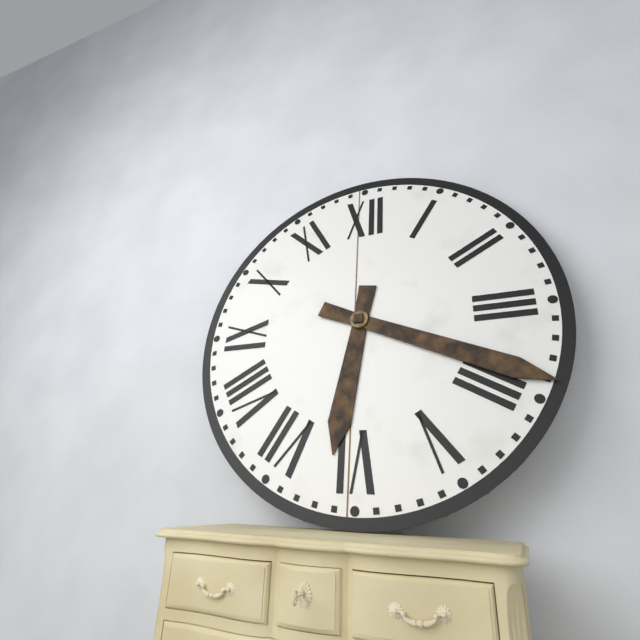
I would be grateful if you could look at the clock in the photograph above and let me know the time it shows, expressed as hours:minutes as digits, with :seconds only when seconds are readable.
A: 6:19
